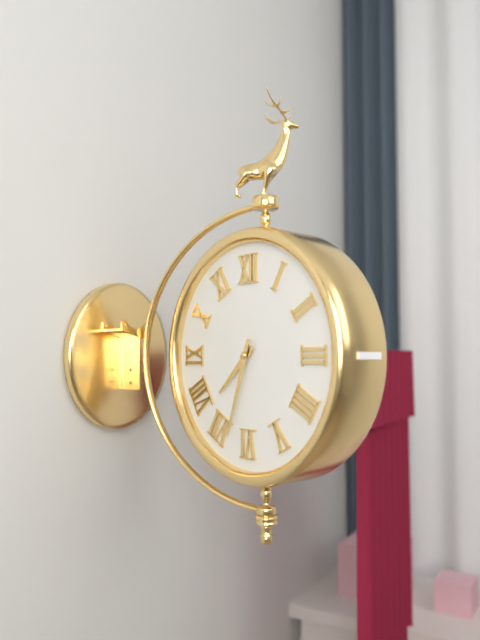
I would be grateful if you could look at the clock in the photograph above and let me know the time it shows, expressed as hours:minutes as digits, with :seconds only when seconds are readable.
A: 7:33
